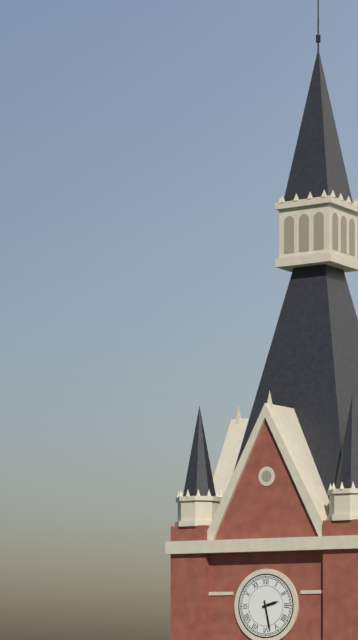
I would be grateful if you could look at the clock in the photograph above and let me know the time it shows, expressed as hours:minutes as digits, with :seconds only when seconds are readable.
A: 2:28
